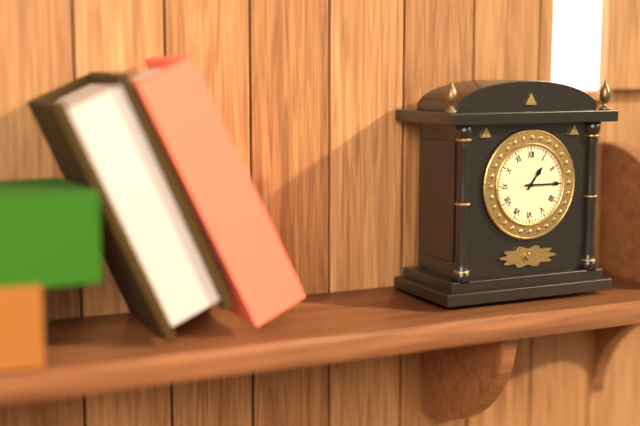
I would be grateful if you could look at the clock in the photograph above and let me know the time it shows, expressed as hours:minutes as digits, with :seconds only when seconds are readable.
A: 1:15
